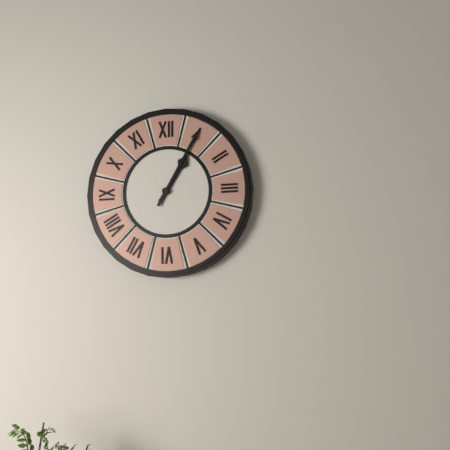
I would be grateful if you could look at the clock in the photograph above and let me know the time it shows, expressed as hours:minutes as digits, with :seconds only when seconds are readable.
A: 1:05
